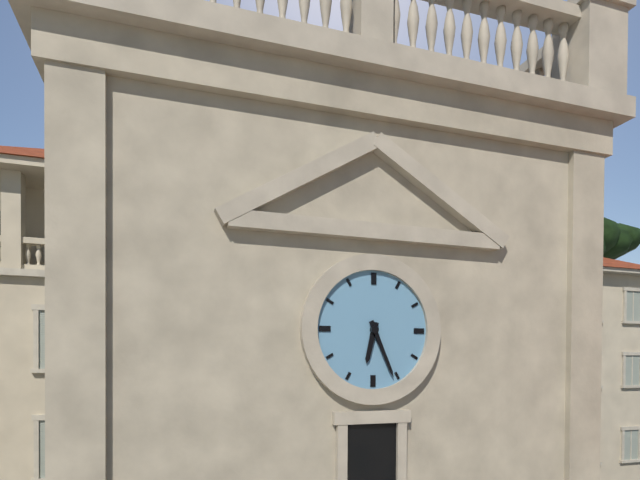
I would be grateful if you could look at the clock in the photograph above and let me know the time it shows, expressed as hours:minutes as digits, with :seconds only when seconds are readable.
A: 6:26
